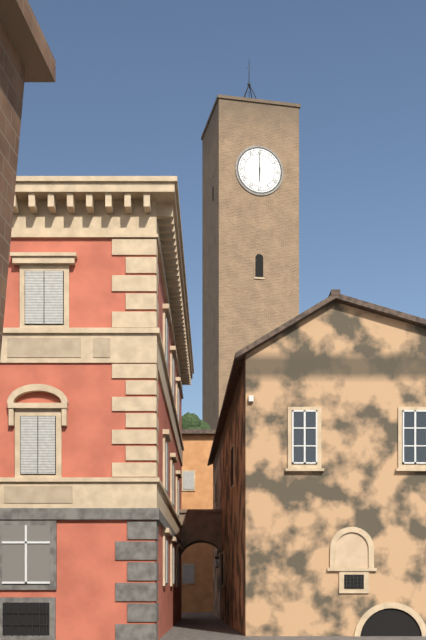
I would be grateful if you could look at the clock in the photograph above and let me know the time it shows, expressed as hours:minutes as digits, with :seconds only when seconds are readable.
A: 6:00
